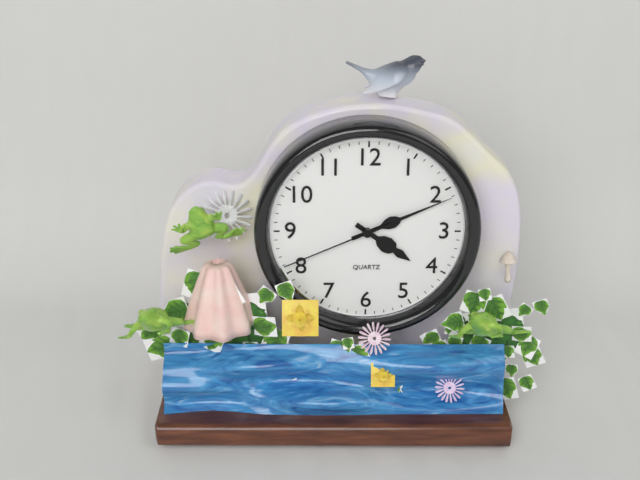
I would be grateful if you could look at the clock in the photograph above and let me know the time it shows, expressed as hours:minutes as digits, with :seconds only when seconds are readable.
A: 4:11:41
